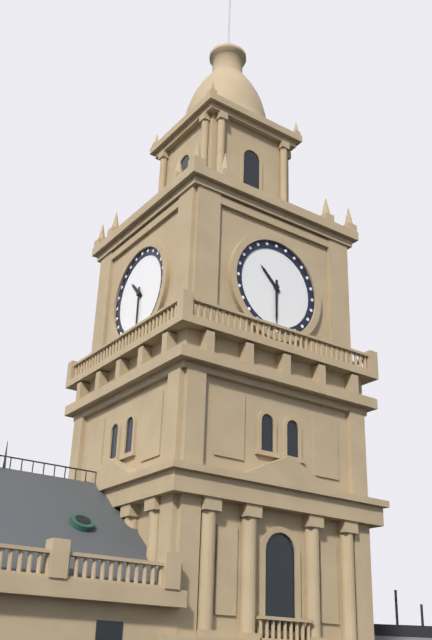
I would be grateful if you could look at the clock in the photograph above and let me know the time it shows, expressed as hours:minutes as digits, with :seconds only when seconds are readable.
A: 10:30
